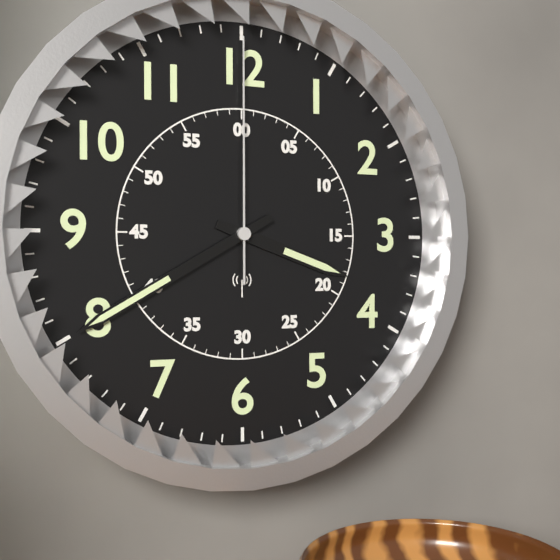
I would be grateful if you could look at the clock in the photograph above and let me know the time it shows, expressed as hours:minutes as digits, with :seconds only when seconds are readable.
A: 3:40:00
